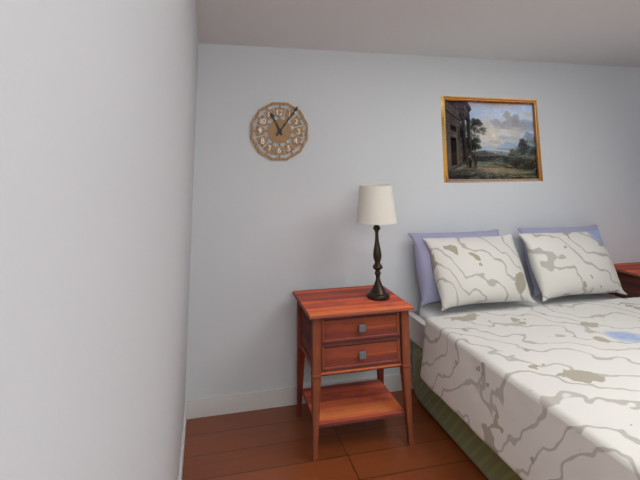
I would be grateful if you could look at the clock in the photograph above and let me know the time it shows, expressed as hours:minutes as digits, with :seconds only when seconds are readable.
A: 11:06
